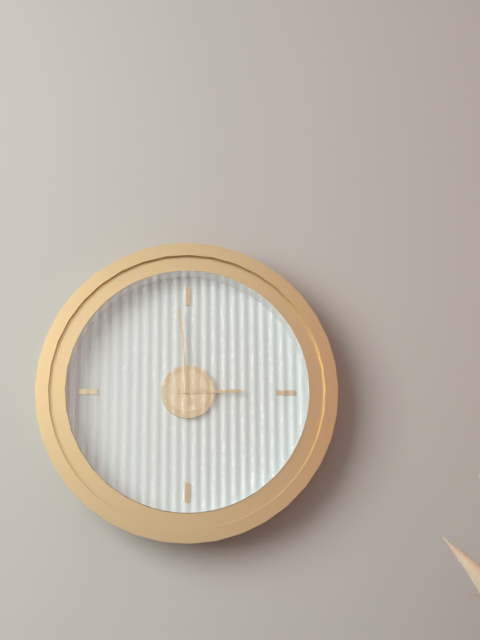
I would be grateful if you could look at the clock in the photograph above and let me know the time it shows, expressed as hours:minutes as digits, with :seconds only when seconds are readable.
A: 2:59
